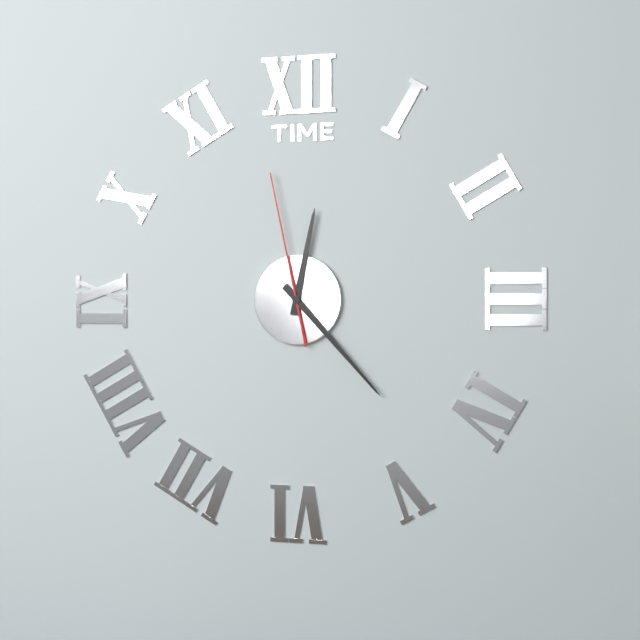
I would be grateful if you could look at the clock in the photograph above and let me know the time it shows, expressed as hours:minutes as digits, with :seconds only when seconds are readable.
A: 12:23:58
